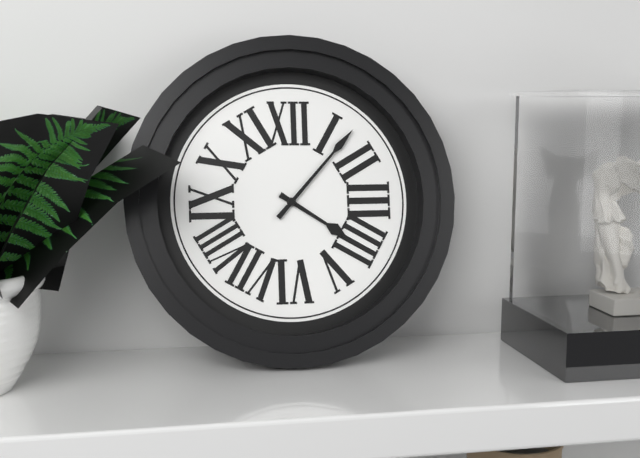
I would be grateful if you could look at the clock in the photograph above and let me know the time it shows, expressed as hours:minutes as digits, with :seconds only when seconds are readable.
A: 4:07
